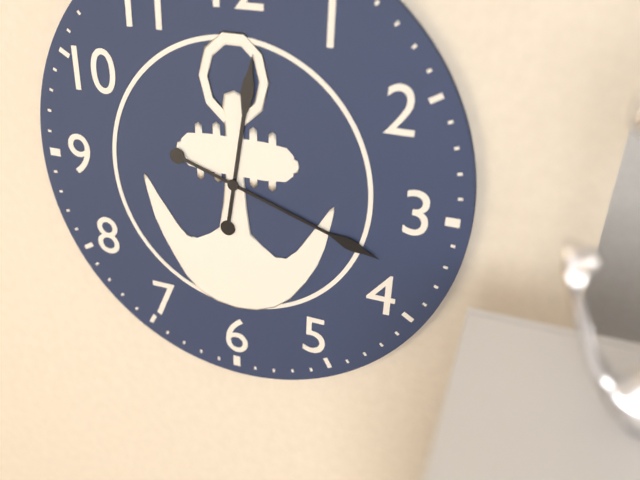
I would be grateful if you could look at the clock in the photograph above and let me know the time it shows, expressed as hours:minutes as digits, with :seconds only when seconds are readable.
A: 12:18
